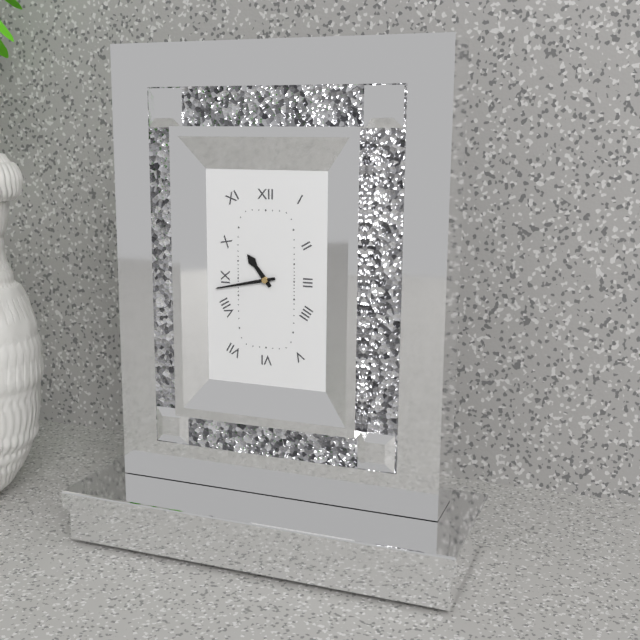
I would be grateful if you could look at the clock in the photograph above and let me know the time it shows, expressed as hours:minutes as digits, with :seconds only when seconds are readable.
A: 10:43
